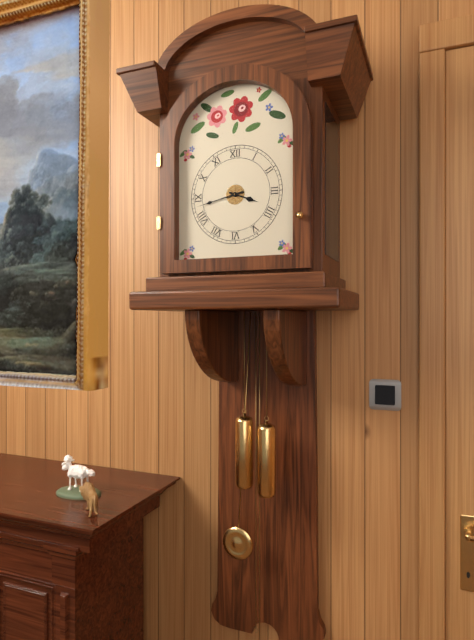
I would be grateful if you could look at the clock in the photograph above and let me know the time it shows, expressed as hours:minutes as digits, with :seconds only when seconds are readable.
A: 3:43
